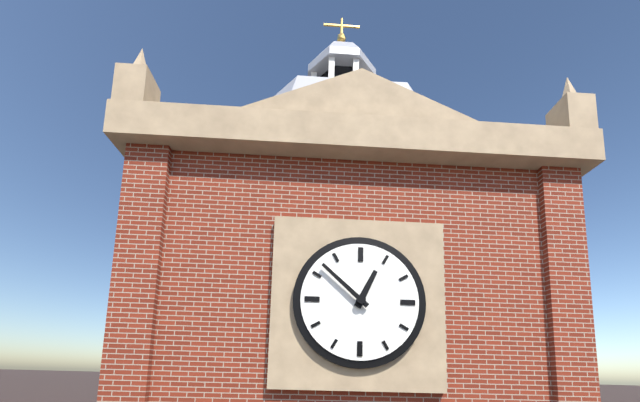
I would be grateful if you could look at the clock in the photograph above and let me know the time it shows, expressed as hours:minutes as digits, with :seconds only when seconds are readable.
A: 12:52
